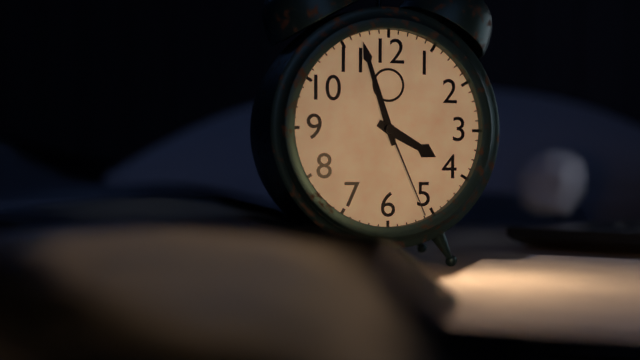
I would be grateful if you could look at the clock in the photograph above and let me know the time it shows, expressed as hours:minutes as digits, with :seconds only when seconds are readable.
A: 3:57:26
